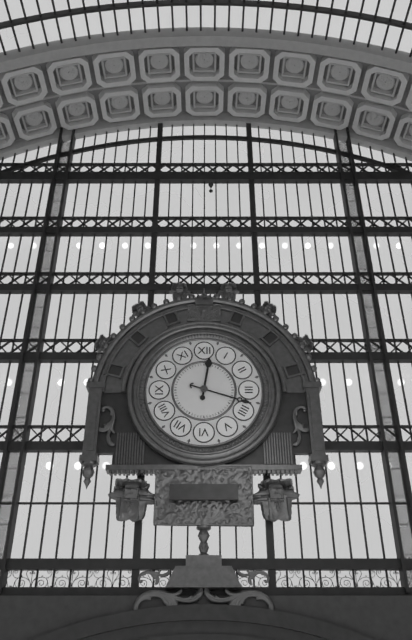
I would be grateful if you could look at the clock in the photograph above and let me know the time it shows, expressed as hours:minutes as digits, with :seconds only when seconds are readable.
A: 12:18
